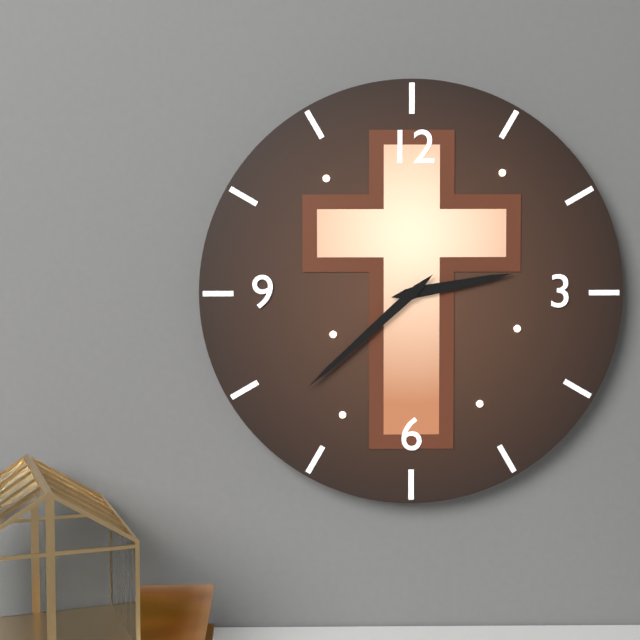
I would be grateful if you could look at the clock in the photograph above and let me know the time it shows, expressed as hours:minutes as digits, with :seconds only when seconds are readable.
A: 2:38
